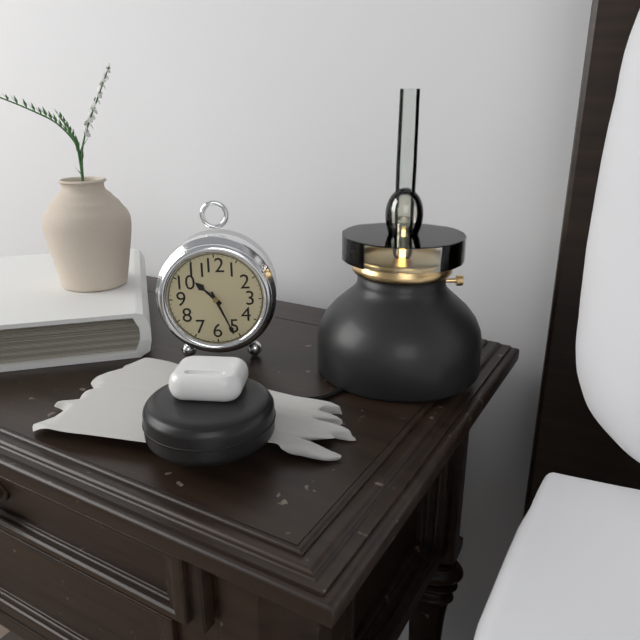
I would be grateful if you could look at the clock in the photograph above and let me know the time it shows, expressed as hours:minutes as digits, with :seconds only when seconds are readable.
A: 10:26
